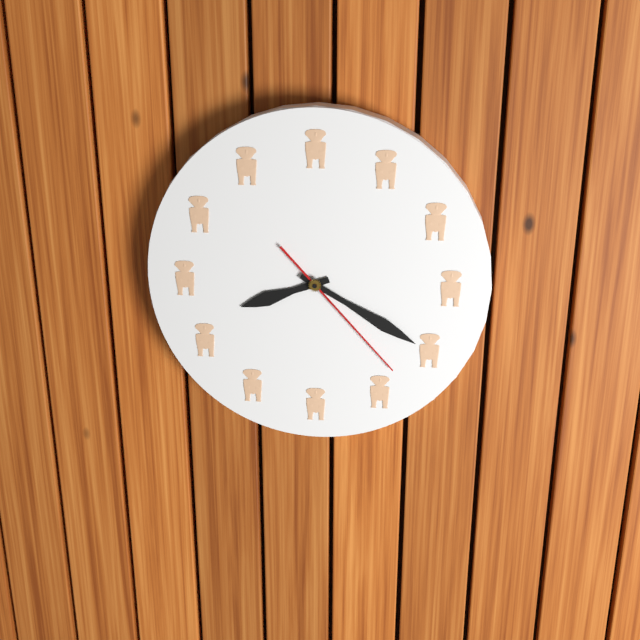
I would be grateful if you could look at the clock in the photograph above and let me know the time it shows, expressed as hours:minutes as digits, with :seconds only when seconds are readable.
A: 8:20:23
